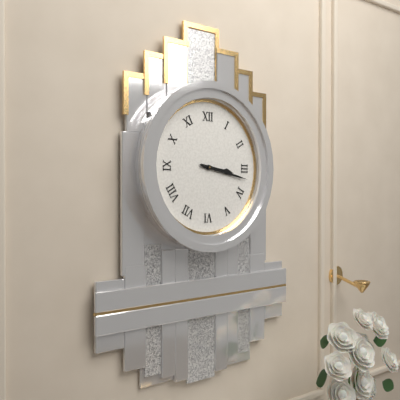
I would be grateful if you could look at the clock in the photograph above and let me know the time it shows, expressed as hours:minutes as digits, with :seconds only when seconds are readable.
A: 3:17
